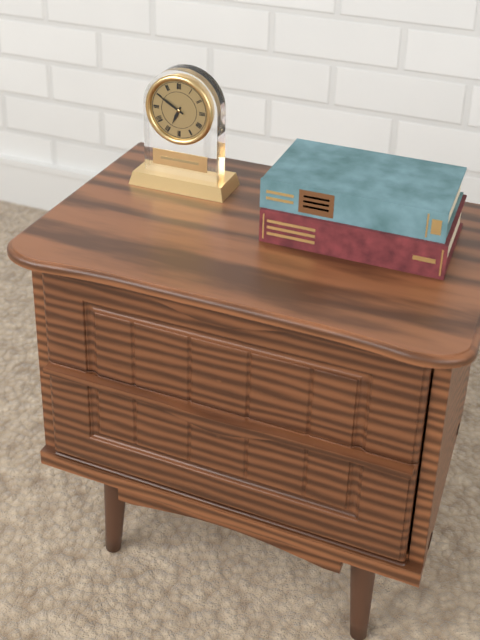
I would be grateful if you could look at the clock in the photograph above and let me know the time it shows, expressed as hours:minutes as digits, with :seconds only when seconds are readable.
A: 6:50
